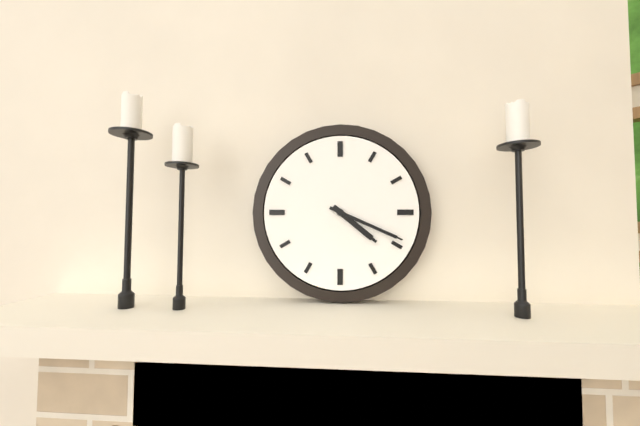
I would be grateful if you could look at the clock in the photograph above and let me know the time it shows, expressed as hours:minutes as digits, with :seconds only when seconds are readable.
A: 4:19
